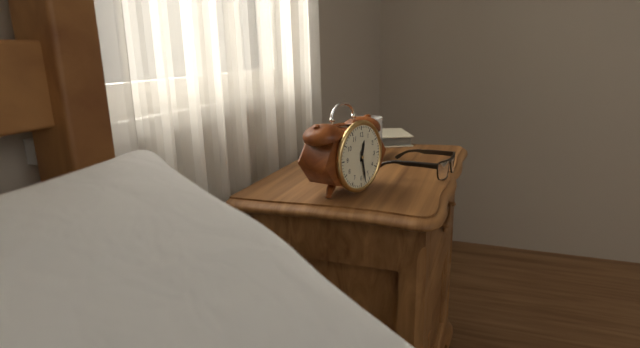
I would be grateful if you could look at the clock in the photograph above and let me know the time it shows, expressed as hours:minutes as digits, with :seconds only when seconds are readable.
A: 12:28
